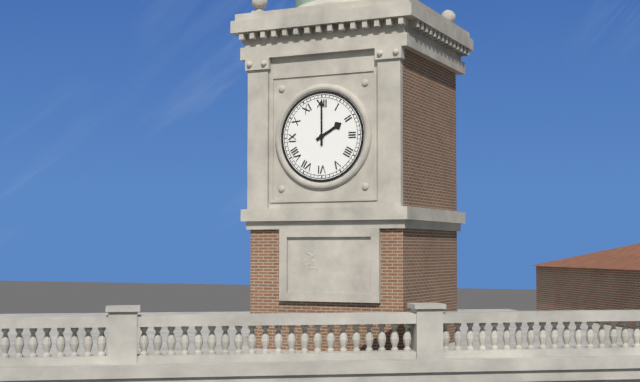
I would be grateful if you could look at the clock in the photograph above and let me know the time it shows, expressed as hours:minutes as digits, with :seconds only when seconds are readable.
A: 2:00
